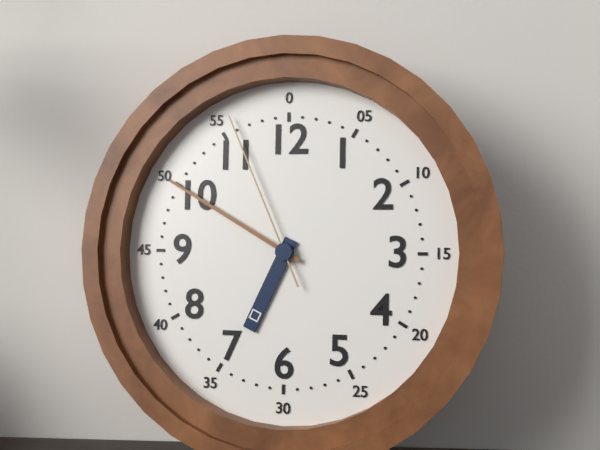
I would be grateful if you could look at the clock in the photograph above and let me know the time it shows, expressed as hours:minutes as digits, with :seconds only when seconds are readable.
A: 6:50:56
